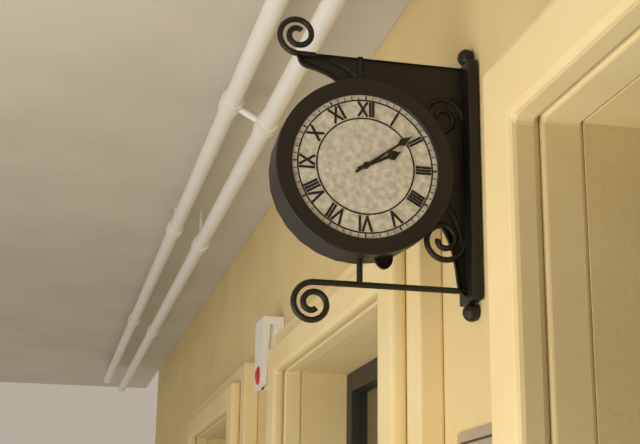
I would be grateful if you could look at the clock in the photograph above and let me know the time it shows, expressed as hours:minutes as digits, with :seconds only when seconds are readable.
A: 2:09
